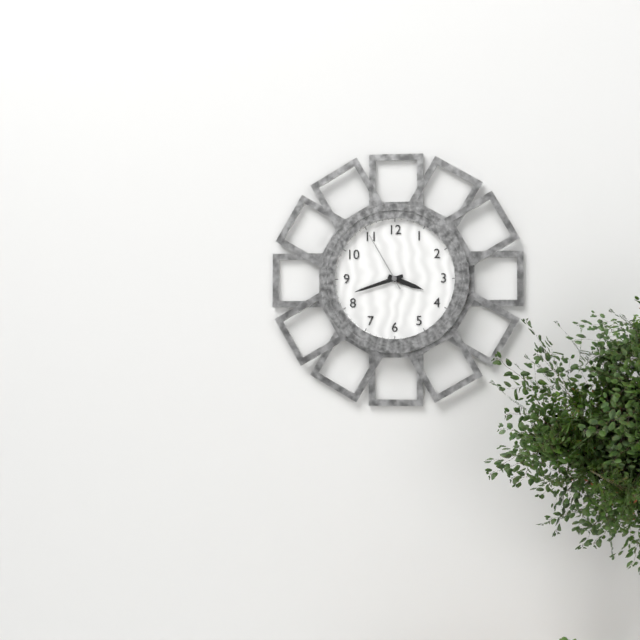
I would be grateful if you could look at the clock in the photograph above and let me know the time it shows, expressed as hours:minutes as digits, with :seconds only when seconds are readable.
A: 3:42:55
